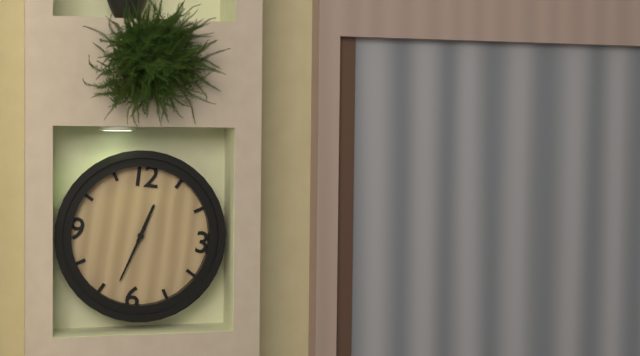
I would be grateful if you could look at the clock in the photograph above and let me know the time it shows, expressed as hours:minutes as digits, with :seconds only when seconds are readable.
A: 12:33
